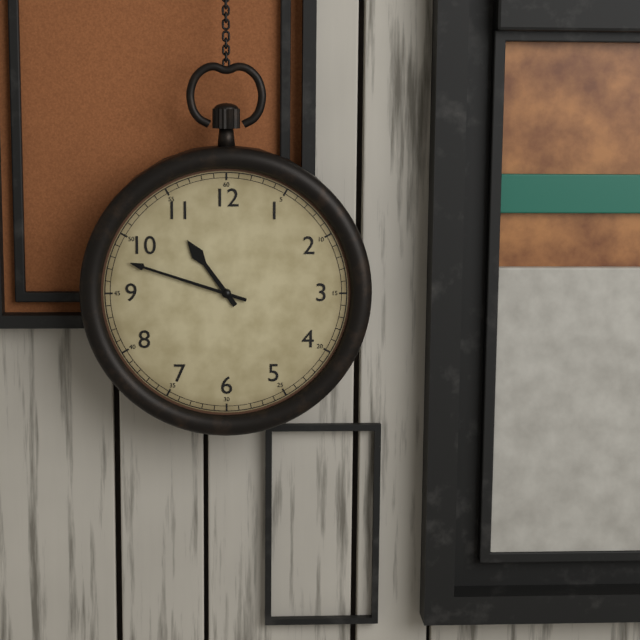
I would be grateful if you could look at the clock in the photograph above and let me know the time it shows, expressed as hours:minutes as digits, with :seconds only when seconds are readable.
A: 10:48
